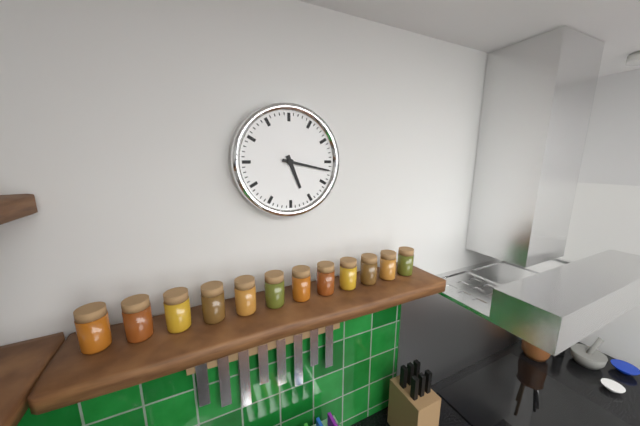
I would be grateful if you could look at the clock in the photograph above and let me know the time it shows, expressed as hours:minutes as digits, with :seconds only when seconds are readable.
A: 5:17
